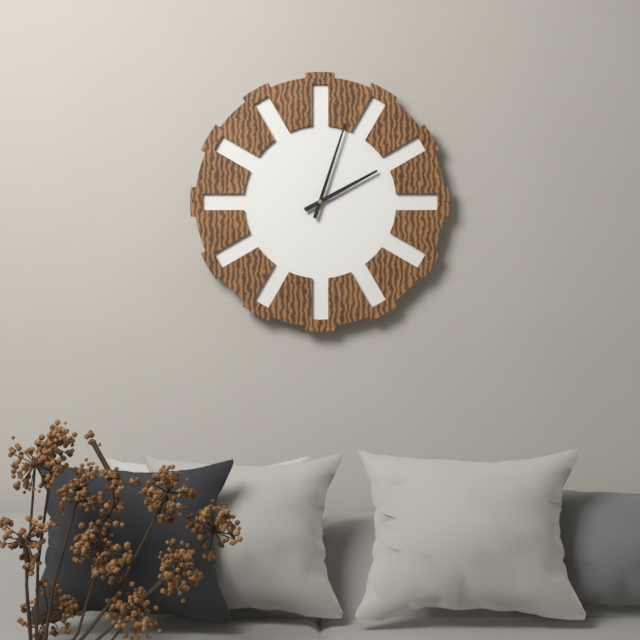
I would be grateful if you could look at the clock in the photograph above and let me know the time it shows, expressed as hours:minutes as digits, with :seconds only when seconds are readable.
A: 2:03
